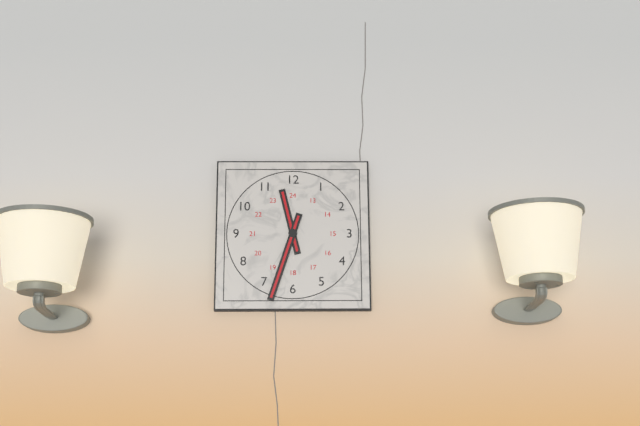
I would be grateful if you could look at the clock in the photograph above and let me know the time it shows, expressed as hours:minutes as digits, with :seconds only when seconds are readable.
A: 11:33
